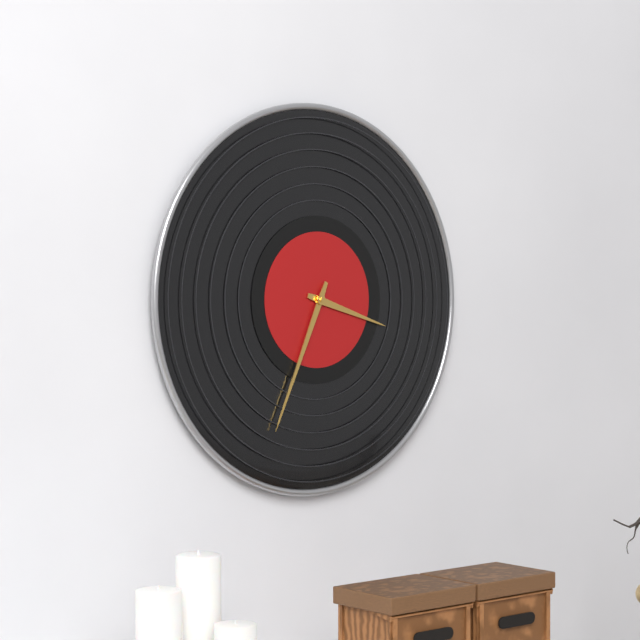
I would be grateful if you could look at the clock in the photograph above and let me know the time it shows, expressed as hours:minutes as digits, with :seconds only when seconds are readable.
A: 3:34
